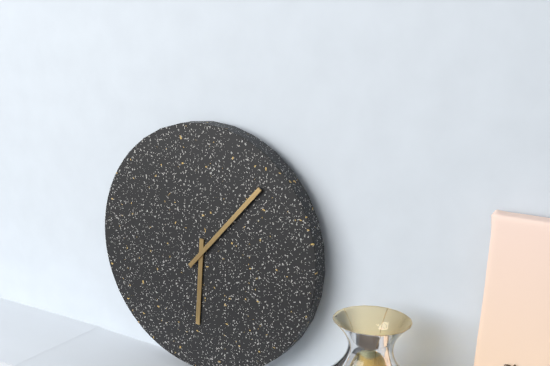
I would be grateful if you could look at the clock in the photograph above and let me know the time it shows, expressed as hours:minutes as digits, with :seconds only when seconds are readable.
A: 6:07
